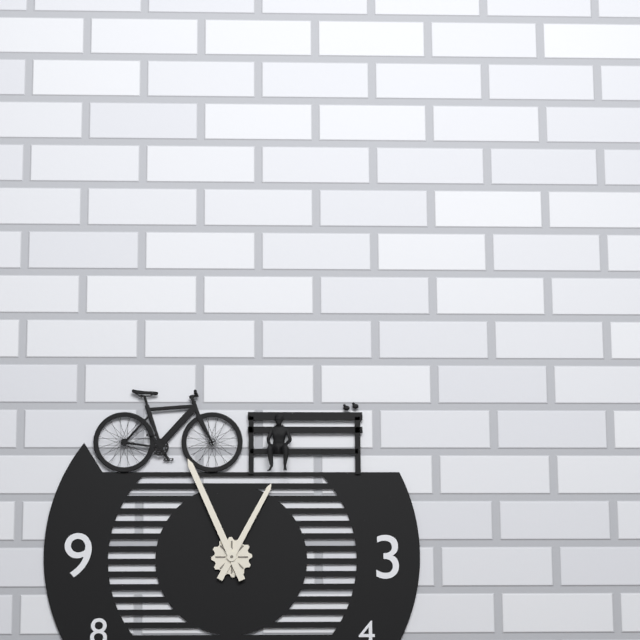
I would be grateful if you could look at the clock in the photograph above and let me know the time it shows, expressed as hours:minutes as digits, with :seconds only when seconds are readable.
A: 12:56
